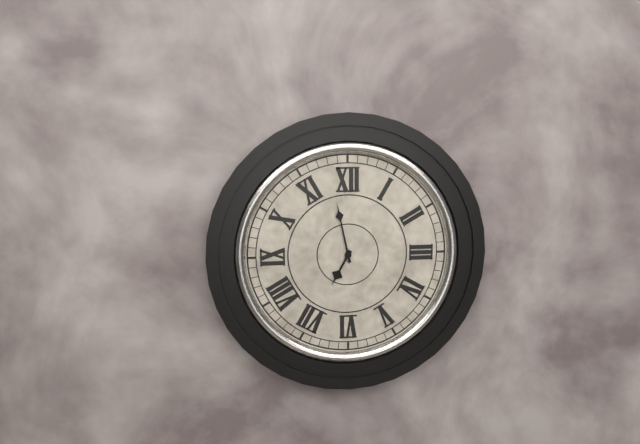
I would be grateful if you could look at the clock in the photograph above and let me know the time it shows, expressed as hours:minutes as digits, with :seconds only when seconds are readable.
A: 6:58
